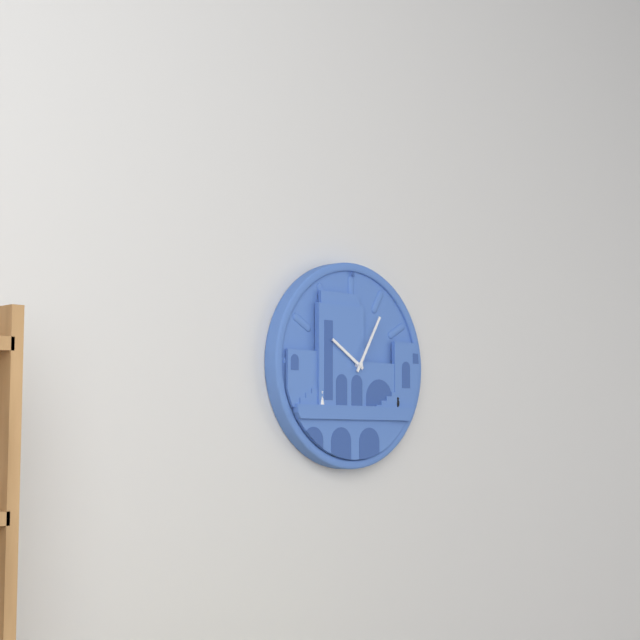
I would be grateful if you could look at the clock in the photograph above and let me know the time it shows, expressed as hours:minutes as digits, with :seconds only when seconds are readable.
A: 10:05
